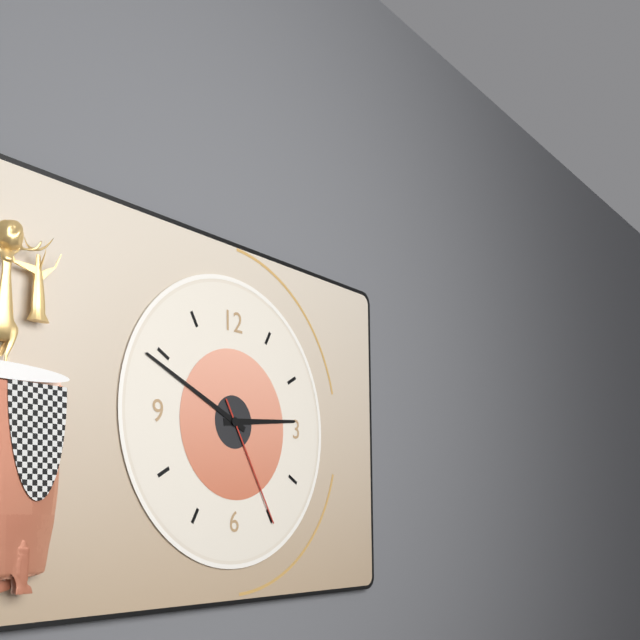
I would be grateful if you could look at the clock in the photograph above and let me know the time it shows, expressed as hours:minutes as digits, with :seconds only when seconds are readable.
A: 2:49:25
